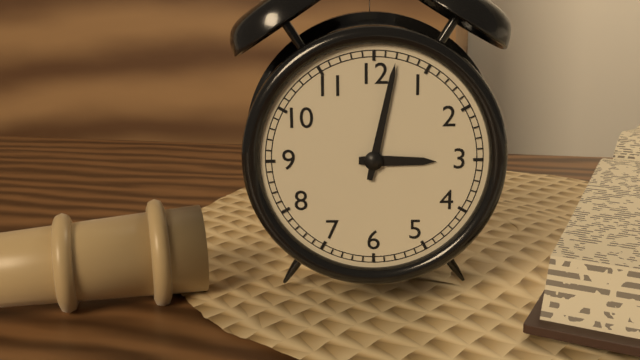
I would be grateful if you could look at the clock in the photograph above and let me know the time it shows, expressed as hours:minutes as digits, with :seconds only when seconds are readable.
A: 3:02
